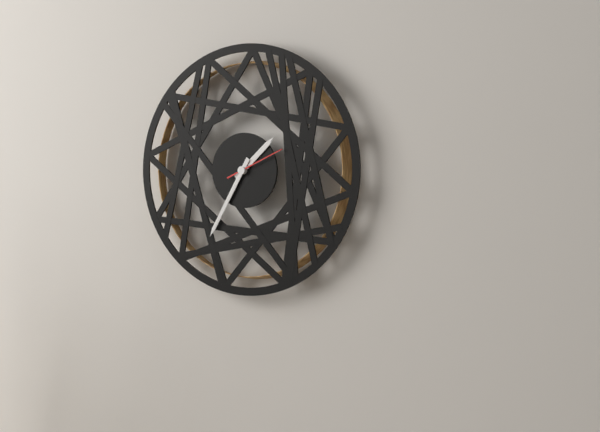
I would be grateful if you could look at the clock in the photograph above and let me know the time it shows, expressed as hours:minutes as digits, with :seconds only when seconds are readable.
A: 1:35:11
